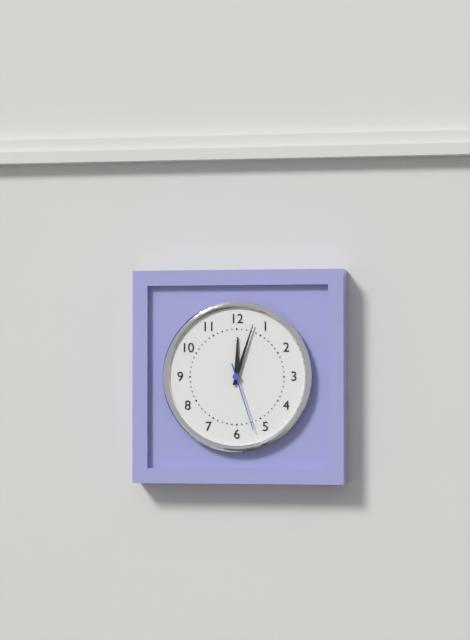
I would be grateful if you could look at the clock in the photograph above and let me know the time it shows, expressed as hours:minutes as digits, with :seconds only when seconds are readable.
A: 12:03:27
